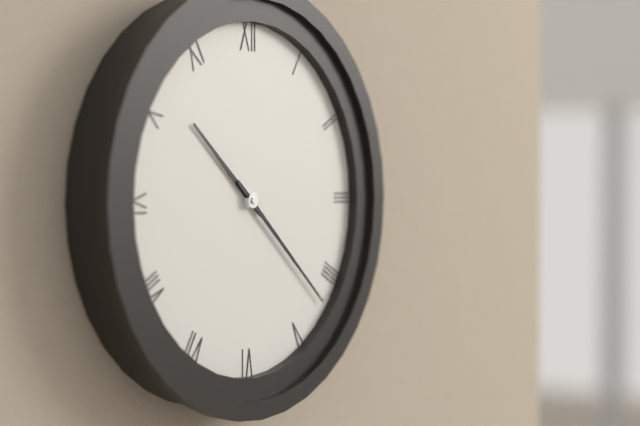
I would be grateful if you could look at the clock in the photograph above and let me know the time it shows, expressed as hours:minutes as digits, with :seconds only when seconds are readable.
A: 10:22
